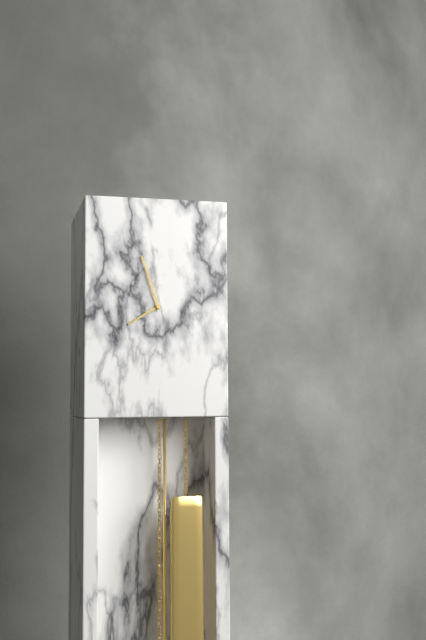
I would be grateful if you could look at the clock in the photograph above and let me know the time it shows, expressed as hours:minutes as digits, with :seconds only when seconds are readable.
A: 7:57
